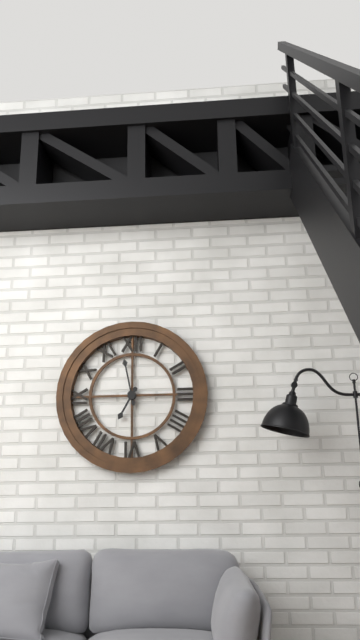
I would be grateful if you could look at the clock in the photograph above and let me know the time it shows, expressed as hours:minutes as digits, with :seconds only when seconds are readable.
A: 6:58
